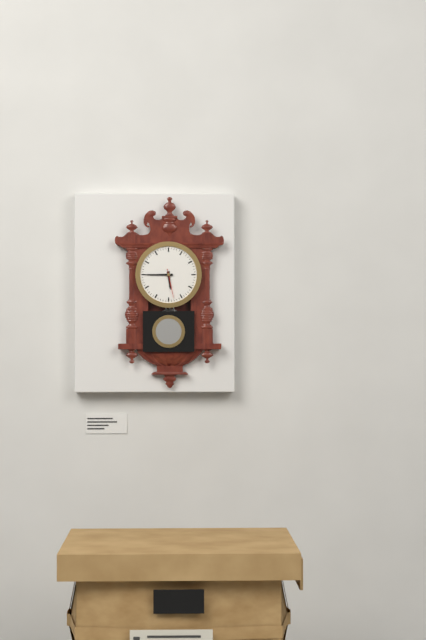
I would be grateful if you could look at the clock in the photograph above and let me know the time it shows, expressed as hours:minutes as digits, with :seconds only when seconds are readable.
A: 5:45
